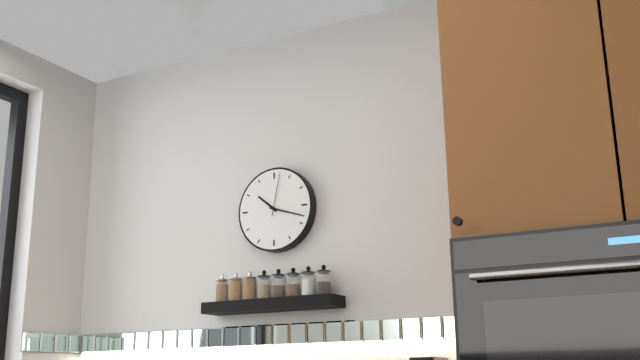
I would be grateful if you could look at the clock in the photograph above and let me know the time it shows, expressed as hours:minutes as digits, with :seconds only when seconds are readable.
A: 10:18
